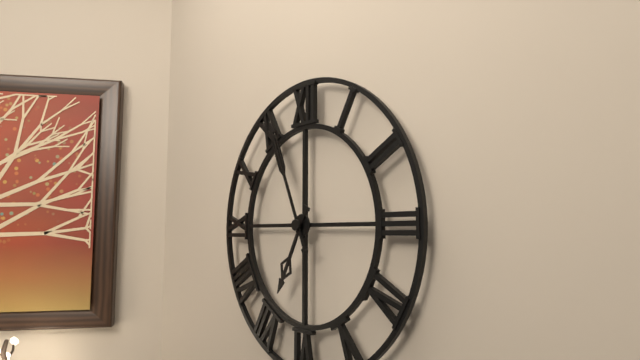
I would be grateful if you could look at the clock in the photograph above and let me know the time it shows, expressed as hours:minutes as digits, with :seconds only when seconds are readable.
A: 6:56
